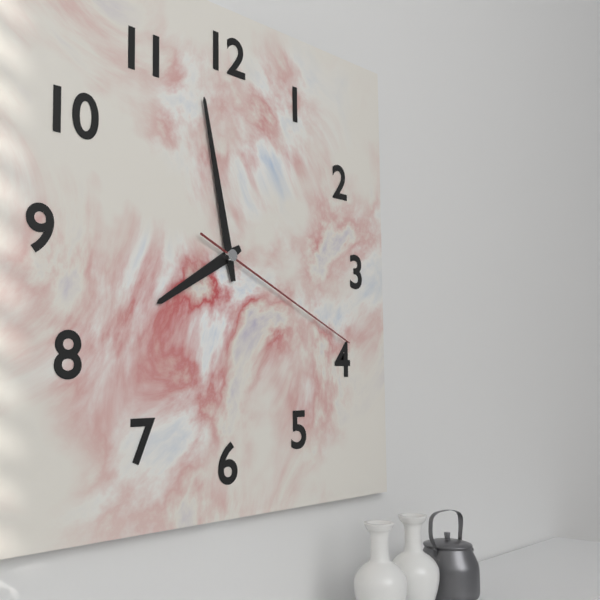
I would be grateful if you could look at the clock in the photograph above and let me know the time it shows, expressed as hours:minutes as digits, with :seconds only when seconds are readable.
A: 7:58:19
